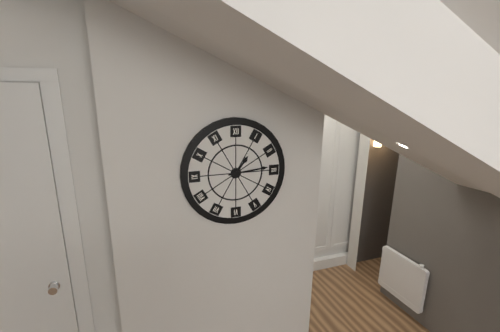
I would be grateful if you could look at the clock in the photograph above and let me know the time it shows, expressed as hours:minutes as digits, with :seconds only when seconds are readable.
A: 1:14
